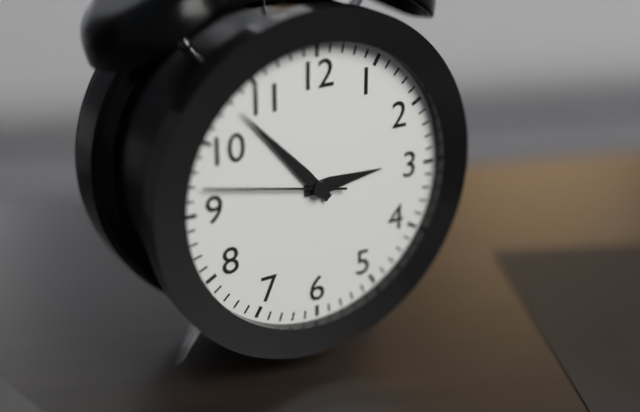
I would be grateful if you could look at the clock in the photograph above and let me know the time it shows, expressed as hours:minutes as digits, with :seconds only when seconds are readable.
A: 2:53:47
